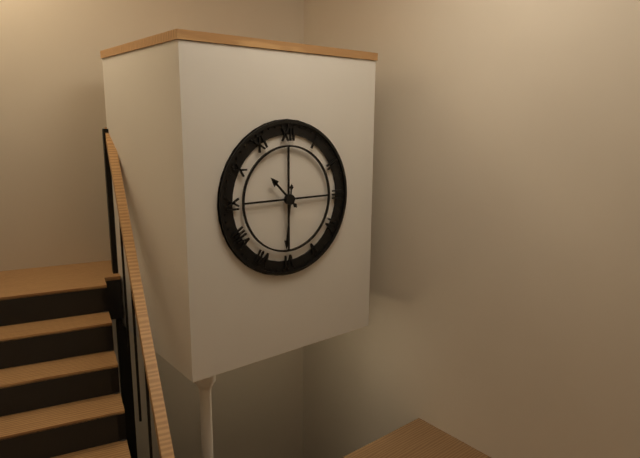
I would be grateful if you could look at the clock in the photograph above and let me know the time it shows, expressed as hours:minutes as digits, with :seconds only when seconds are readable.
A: 10:31
